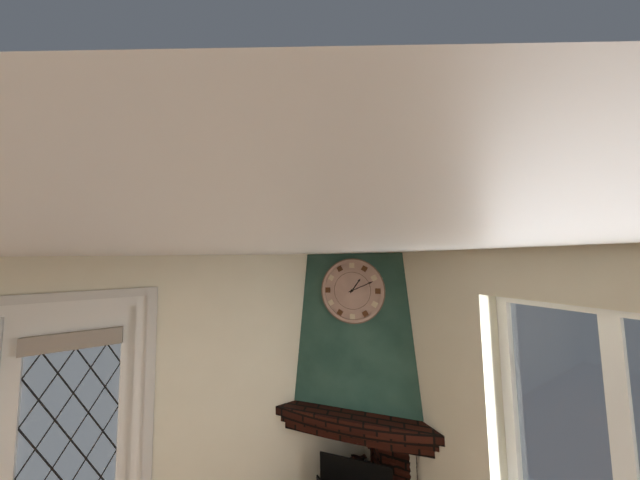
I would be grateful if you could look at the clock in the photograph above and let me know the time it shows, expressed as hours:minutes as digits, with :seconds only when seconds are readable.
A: 1:11
